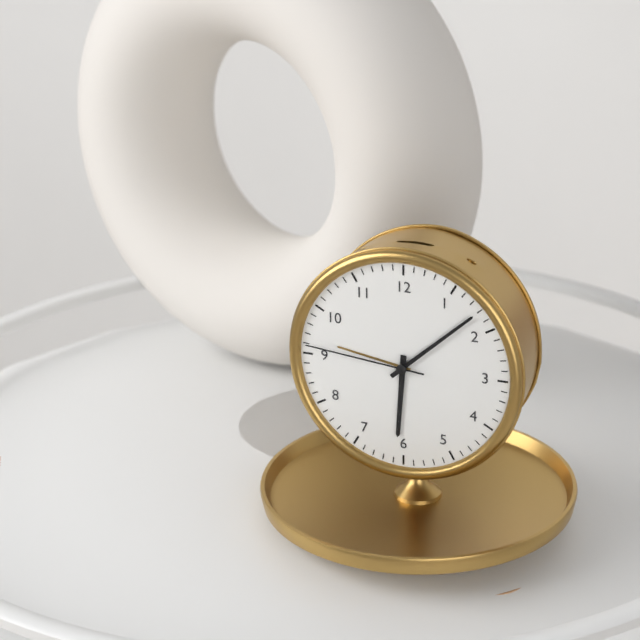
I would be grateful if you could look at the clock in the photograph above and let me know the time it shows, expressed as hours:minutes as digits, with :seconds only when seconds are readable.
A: 6:08:46
